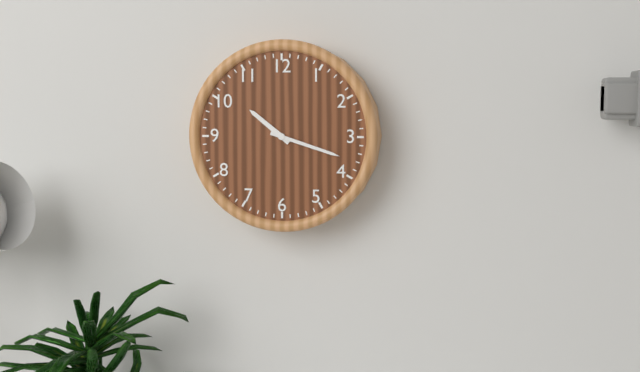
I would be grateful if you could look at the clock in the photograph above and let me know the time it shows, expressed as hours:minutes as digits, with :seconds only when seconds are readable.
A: 10:18
